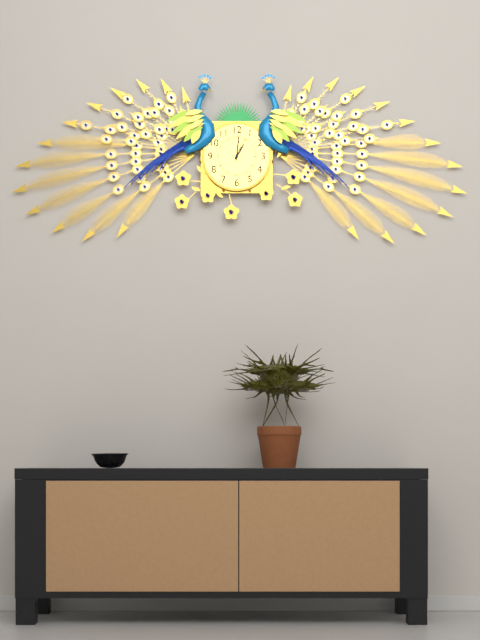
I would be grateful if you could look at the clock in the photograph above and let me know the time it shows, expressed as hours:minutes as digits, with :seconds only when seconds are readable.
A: 1:01
